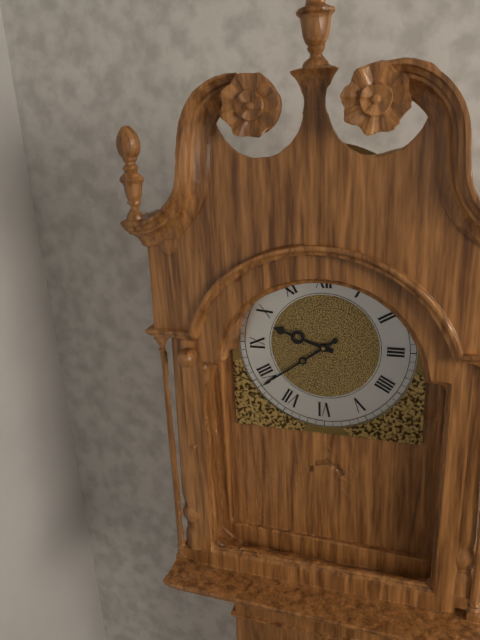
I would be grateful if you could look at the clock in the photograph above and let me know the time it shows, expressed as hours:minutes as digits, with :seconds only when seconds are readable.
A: 9:39
